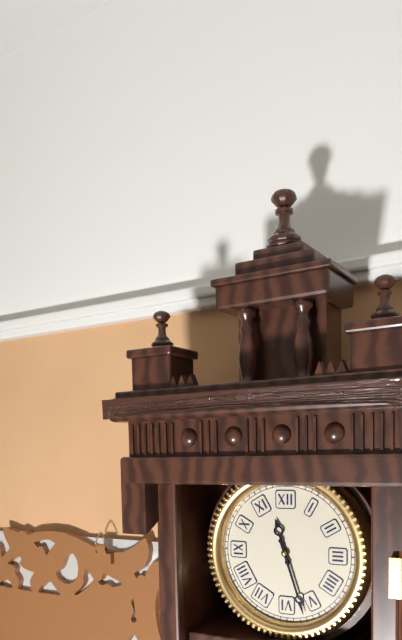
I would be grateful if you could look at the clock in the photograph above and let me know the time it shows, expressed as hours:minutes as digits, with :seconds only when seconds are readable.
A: 11:27
